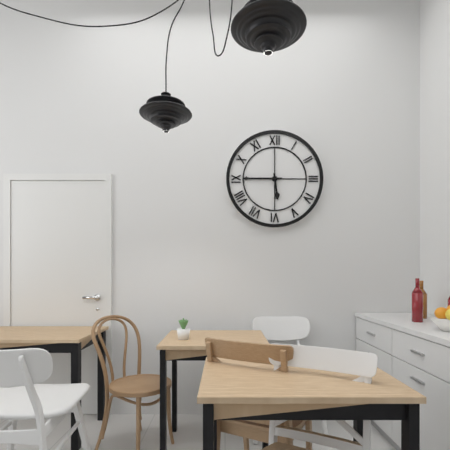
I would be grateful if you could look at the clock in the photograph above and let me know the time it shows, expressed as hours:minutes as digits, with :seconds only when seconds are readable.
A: 5:45
